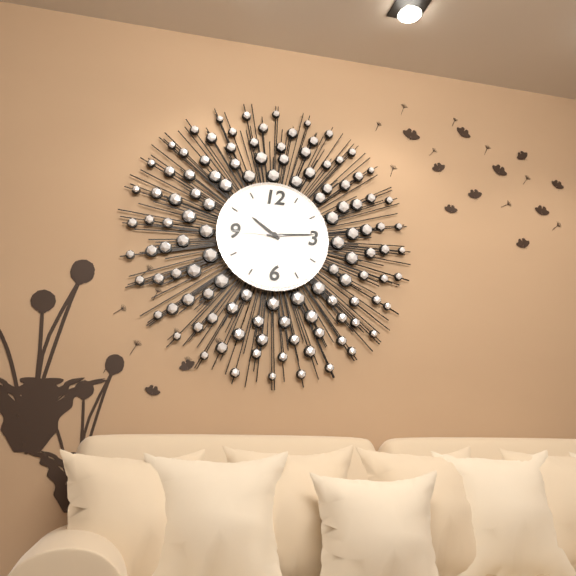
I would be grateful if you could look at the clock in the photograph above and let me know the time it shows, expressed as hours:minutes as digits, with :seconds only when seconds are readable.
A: 10:14:45
